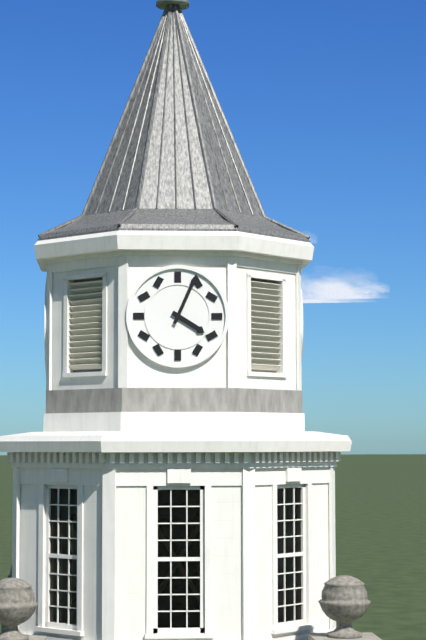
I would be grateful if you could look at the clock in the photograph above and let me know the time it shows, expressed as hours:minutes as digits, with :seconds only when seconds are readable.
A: 4:04
